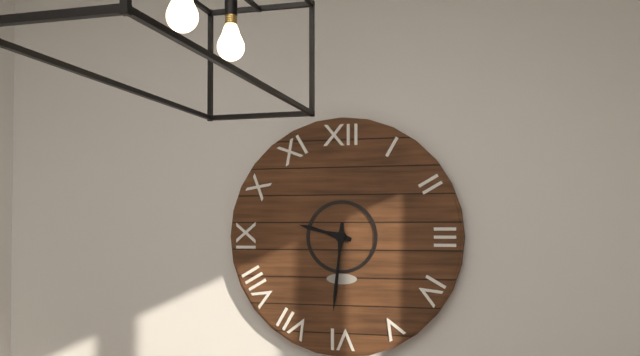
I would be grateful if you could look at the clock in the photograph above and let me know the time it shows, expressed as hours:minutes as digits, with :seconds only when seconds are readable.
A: 9:31
